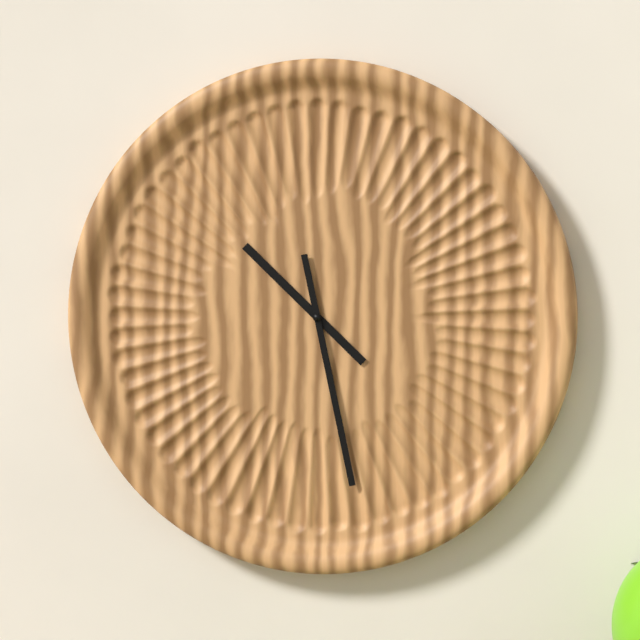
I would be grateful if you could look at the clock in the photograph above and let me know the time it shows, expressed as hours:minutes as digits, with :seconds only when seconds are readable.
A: 10:28
